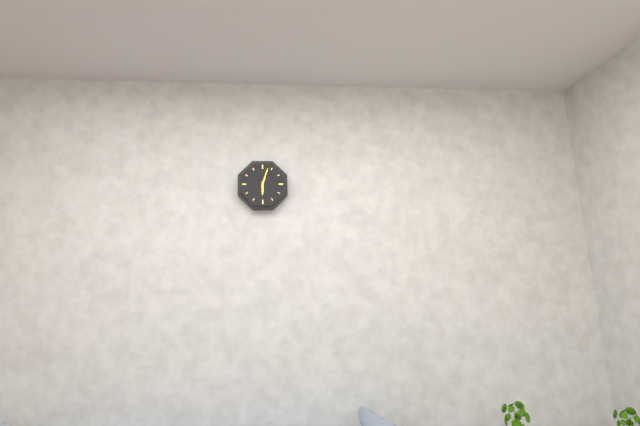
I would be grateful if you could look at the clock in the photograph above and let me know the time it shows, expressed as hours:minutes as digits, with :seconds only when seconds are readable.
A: 6:03
